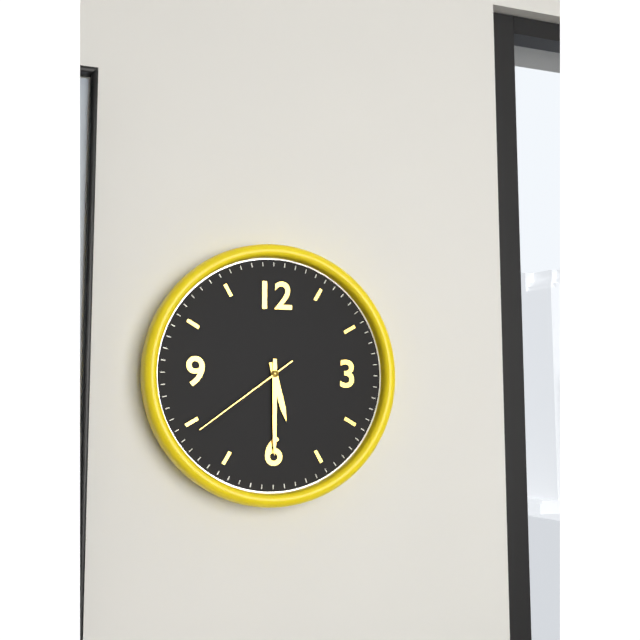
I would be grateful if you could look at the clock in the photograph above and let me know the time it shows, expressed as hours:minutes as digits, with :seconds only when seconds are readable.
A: 5:30:39
